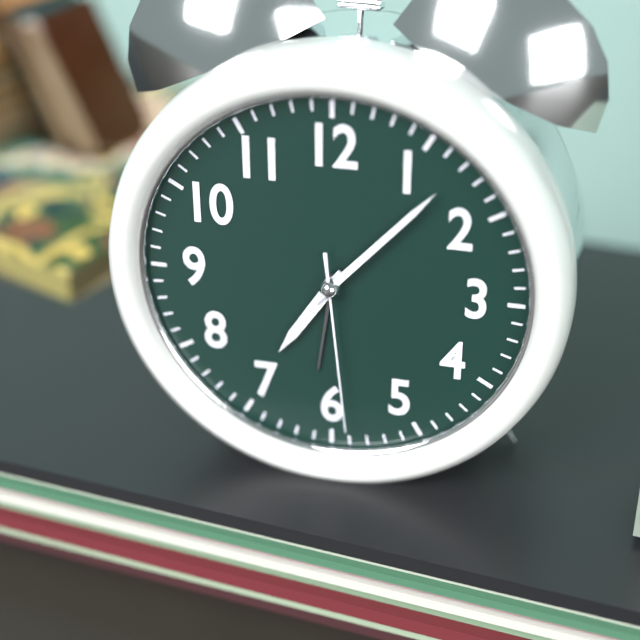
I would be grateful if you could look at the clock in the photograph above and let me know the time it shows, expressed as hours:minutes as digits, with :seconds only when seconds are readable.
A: 7:07:29
